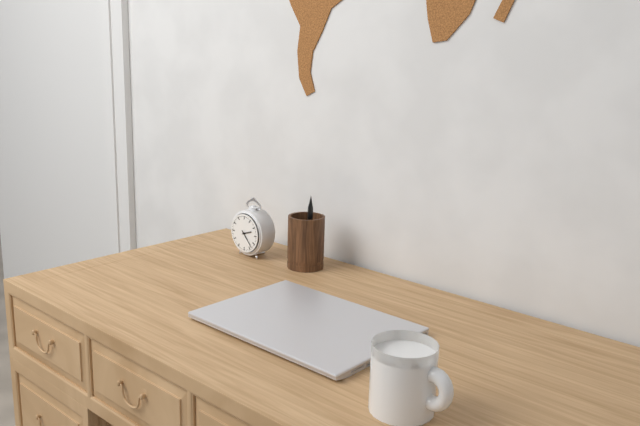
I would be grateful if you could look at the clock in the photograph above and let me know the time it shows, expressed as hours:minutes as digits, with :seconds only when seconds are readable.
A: 2:23
